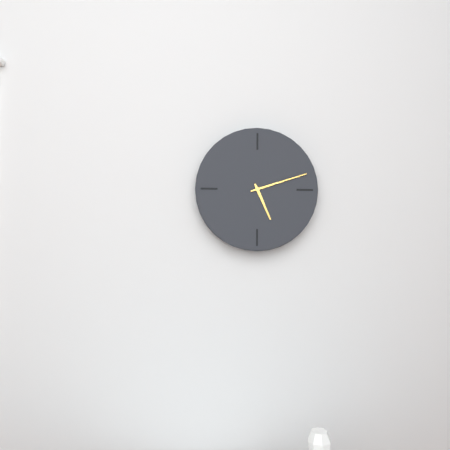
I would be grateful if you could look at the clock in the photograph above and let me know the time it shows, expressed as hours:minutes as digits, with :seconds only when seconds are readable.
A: 5:12
